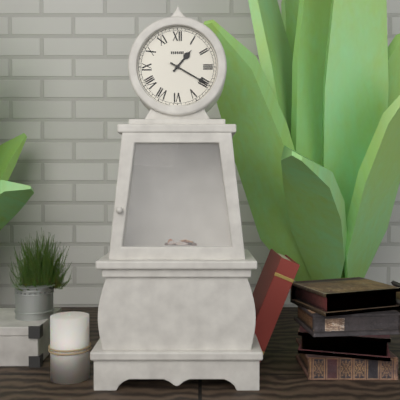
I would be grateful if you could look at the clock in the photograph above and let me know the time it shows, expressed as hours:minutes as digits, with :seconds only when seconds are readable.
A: 1:20
